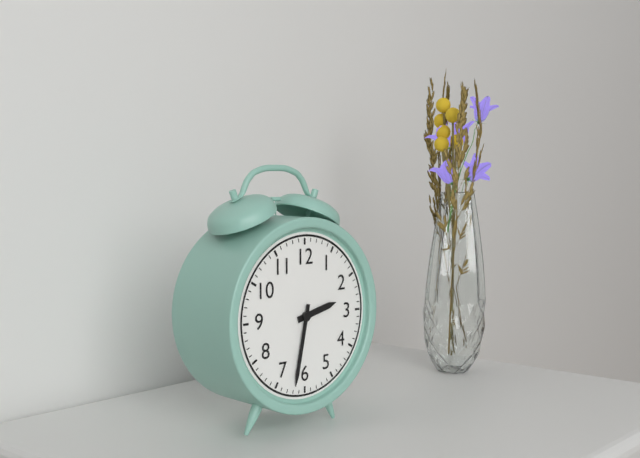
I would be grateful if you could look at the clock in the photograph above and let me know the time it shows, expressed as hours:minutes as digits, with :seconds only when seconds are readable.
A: 2:32
